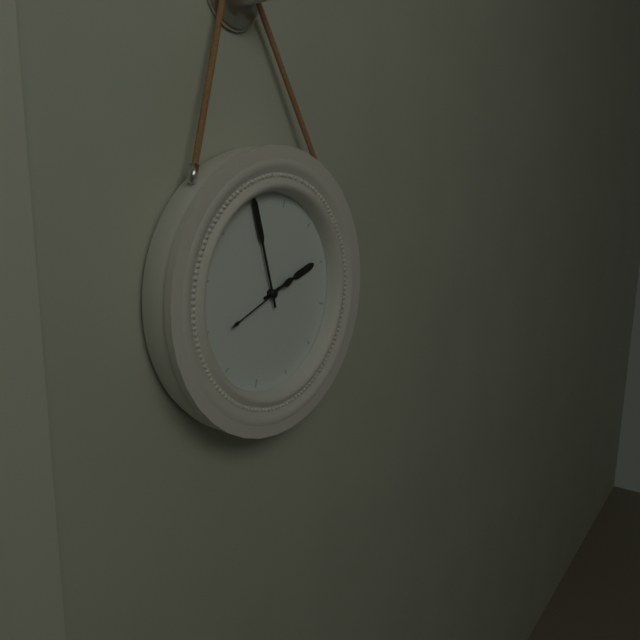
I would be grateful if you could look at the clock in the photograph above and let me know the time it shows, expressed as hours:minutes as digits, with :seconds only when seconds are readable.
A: 1:55:39
